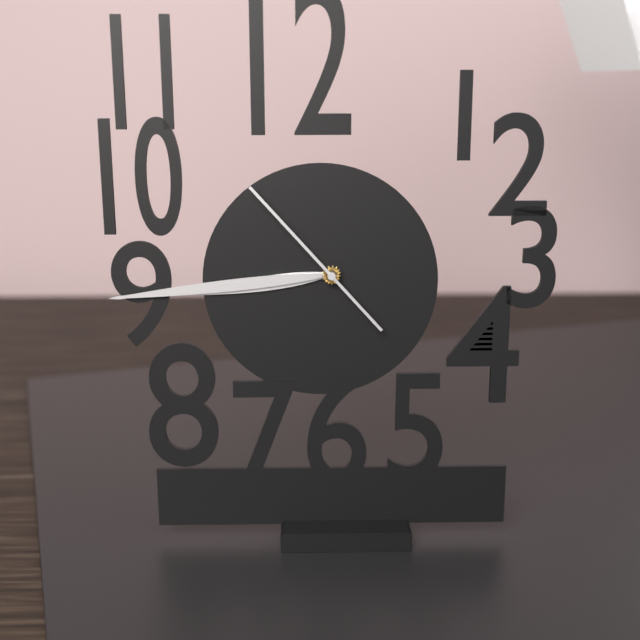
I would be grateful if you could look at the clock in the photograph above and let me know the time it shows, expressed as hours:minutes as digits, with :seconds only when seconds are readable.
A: 8:44:53
